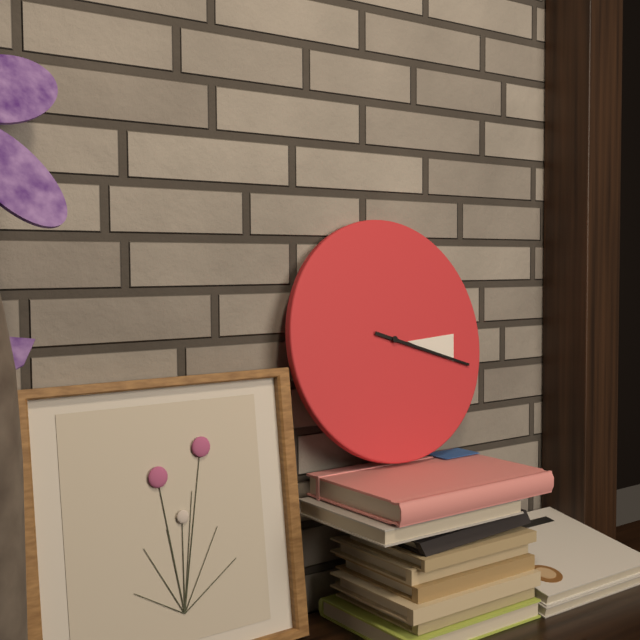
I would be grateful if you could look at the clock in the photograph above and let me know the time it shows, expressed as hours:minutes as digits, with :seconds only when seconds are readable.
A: 3:18
